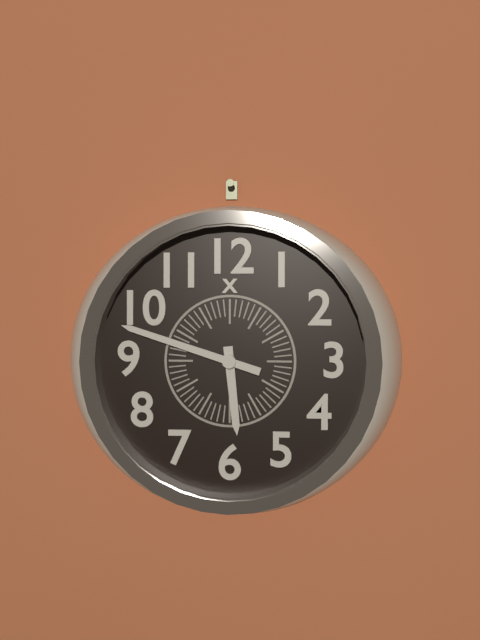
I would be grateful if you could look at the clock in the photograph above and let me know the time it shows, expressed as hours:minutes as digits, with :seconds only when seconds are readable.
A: 5:48
